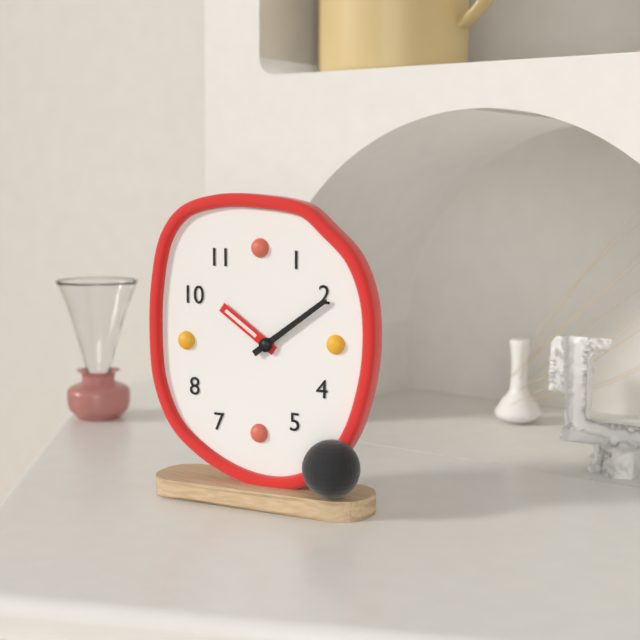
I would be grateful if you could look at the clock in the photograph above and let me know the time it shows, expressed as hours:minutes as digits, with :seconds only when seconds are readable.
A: 10:09
